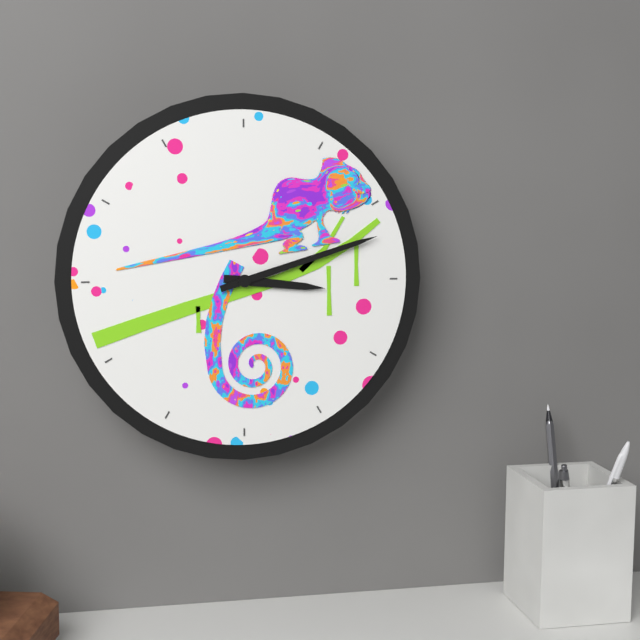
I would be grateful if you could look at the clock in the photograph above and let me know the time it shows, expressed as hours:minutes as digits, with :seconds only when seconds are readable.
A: 3:12
